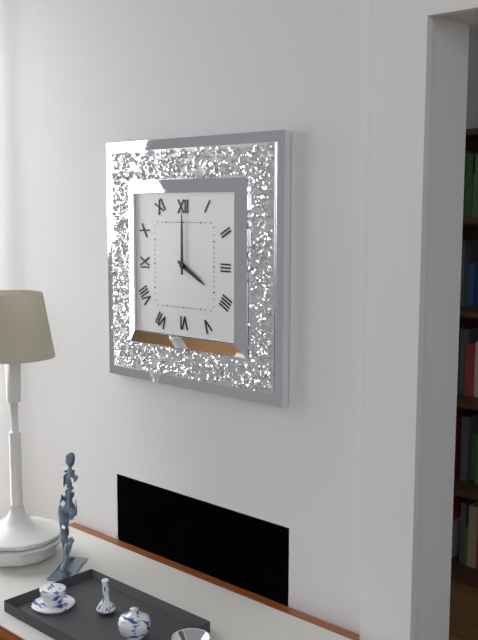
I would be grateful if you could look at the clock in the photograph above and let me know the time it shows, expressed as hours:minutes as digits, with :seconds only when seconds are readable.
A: 4:00
